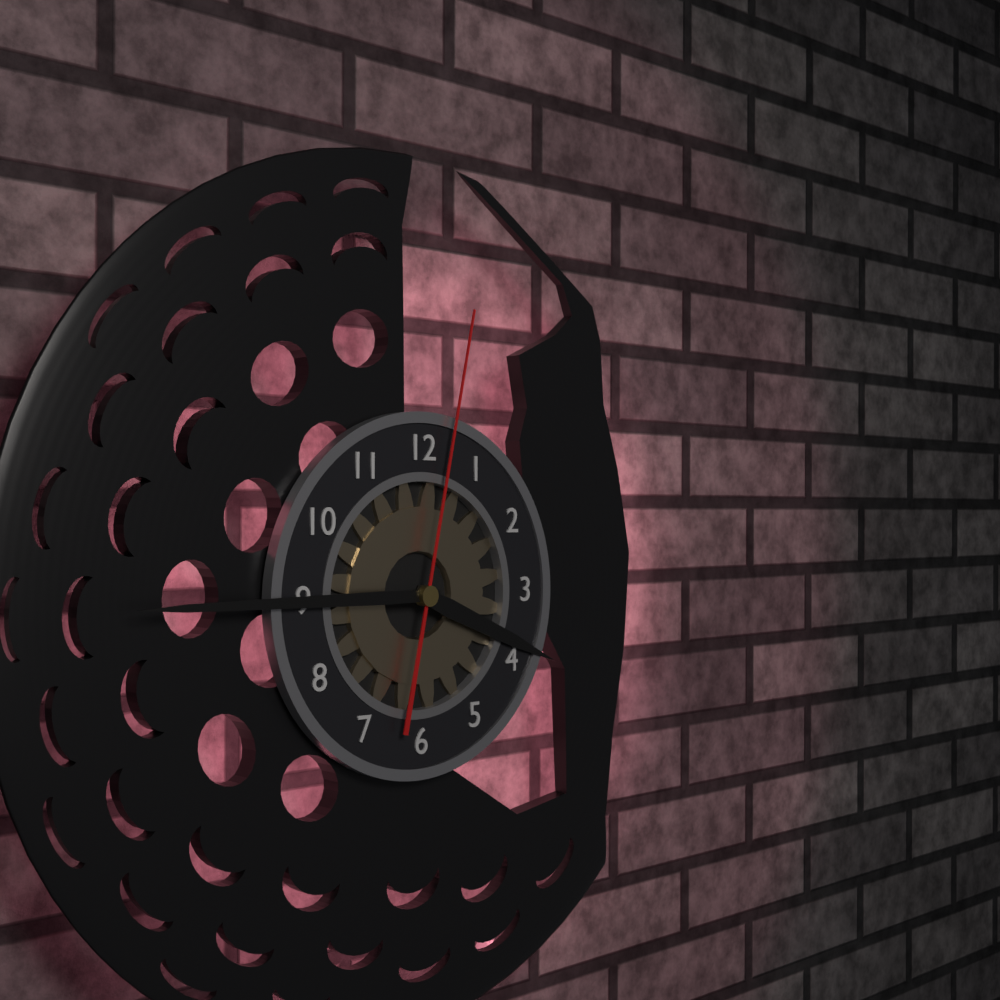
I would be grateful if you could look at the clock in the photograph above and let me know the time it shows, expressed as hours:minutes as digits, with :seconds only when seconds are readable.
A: 3:45:02
